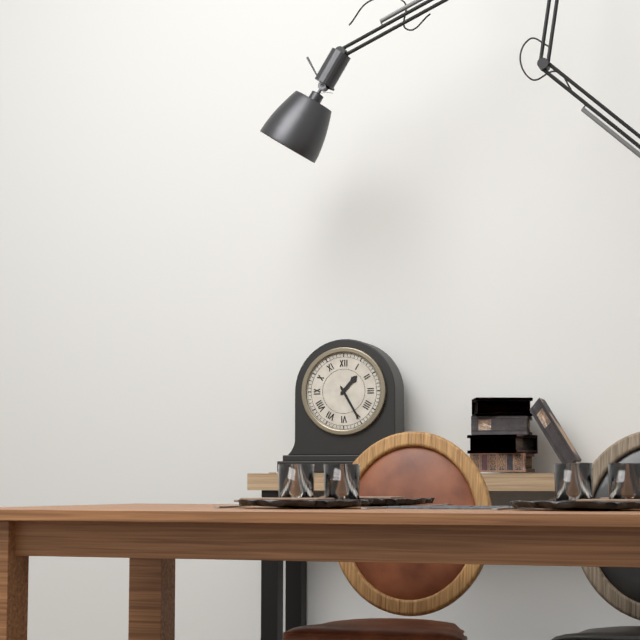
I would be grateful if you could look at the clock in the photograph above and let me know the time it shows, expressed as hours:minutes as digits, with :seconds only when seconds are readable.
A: 1:25
